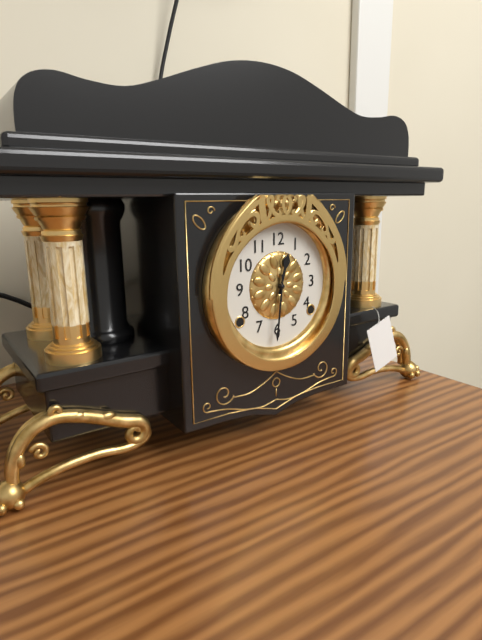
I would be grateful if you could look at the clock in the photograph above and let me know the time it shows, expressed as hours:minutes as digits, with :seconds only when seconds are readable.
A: 12:31
